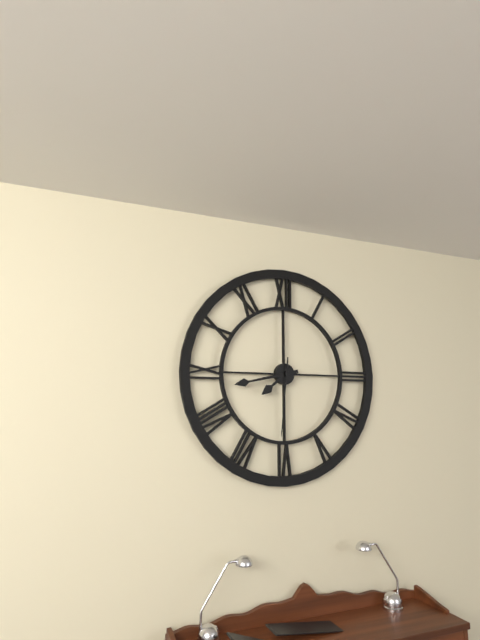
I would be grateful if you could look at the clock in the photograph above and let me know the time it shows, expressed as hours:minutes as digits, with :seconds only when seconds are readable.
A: 7:43:31
